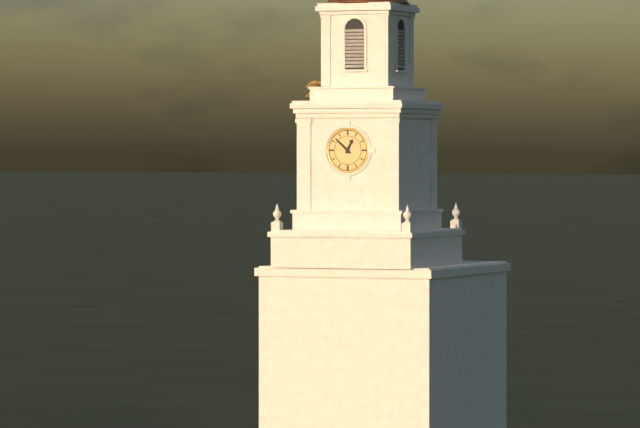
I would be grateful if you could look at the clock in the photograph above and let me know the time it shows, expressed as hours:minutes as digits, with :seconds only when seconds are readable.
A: 12:52
